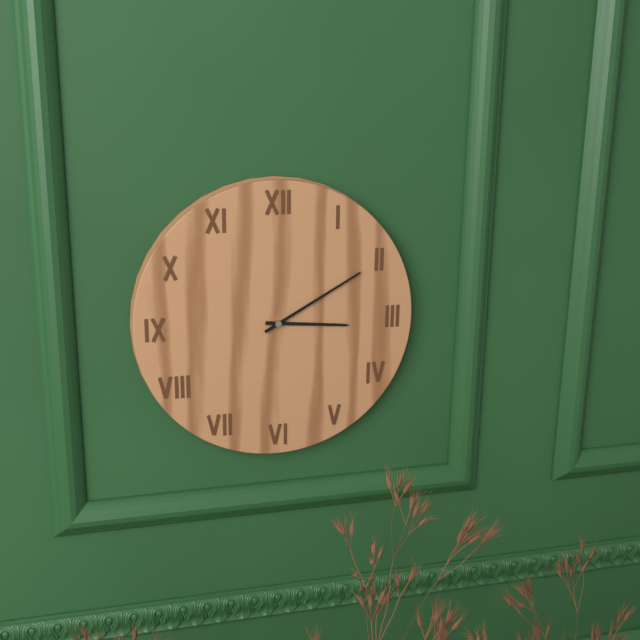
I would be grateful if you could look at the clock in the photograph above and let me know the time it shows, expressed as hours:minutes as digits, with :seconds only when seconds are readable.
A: 3:10
